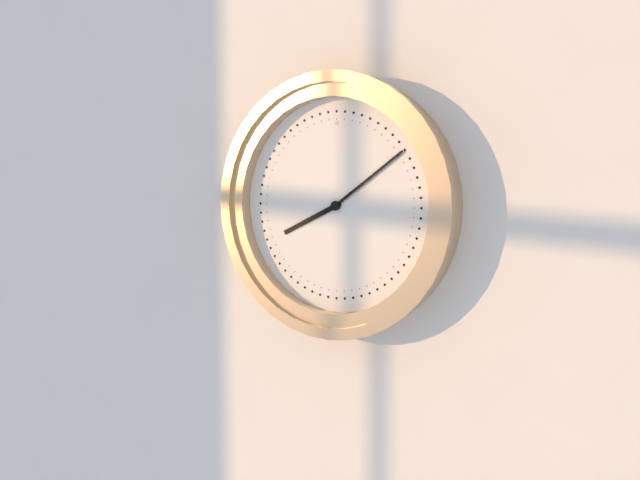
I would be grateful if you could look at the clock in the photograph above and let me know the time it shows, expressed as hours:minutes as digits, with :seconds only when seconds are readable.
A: 8:09
